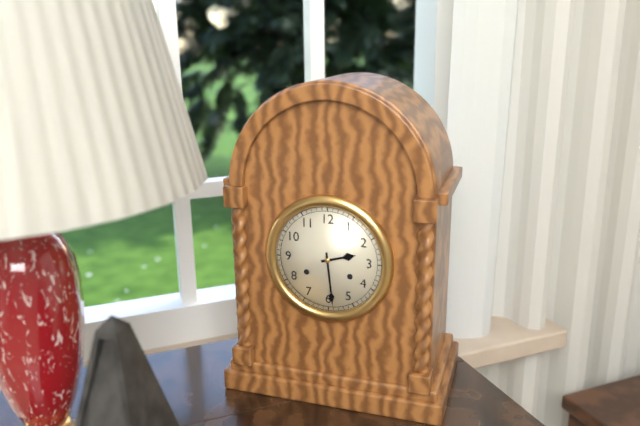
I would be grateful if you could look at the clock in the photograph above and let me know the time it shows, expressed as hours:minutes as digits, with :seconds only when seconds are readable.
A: 2:29
